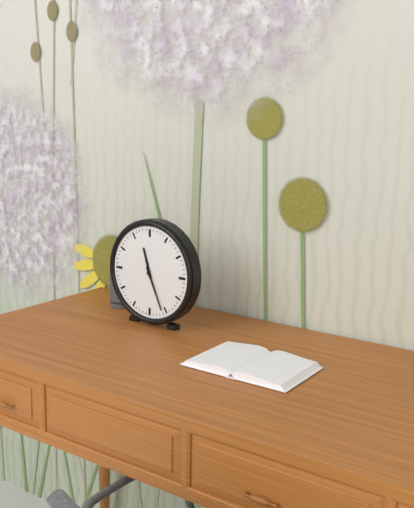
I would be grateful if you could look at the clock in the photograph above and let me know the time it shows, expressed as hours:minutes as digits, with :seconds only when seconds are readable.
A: 11:26
